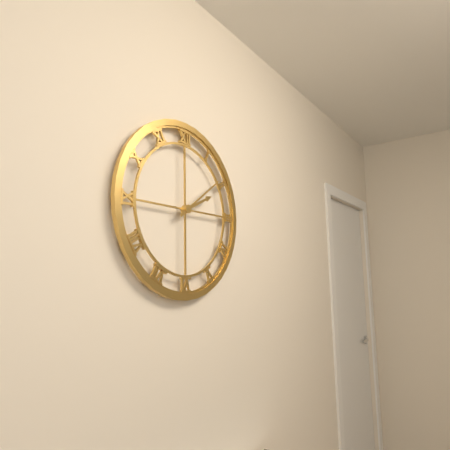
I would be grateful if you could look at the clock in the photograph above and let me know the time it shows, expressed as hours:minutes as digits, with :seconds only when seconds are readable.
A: 2:09
